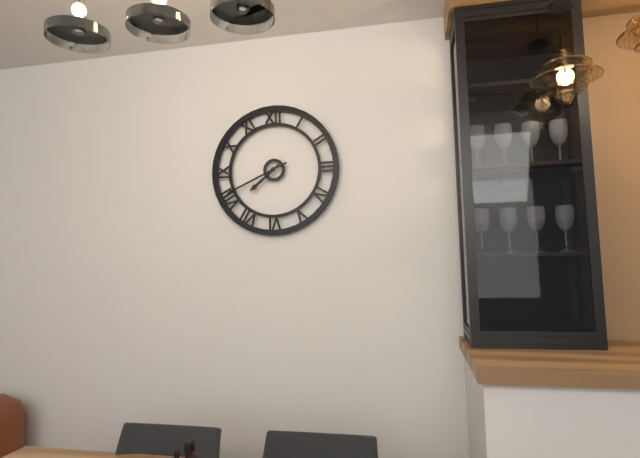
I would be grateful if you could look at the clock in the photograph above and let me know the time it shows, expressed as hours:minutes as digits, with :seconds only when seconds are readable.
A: 7:41
